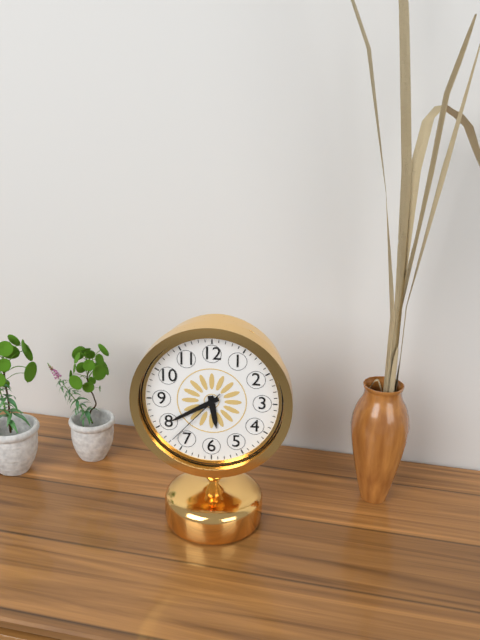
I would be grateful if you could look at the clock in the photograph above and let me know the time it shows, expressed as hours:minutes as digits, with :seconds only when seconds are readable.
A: 5:40:37
